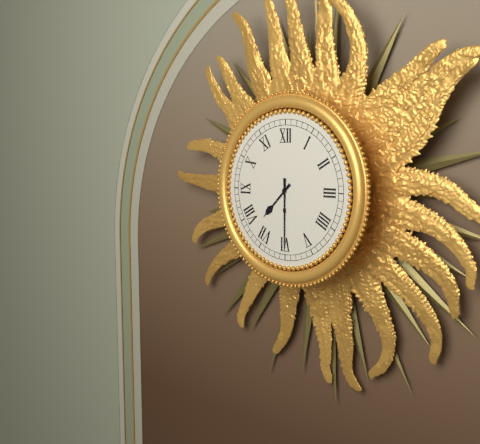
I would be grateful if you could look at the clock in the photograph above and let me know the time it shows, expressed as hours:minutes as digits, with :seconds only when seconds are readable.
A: 7:30
